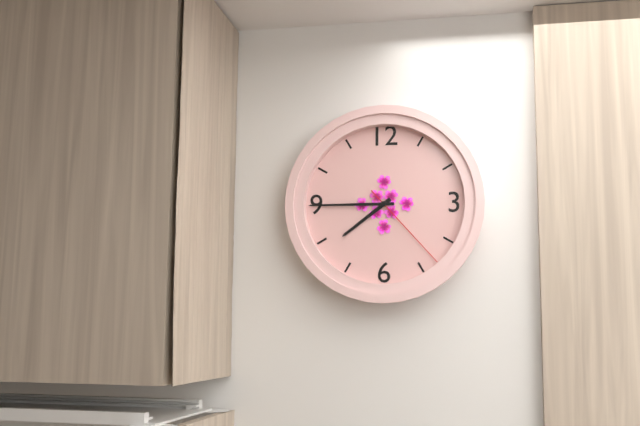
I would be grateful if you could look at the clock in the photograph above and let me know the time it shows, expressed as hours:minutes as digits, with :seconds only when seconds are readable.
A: 7:45:23
